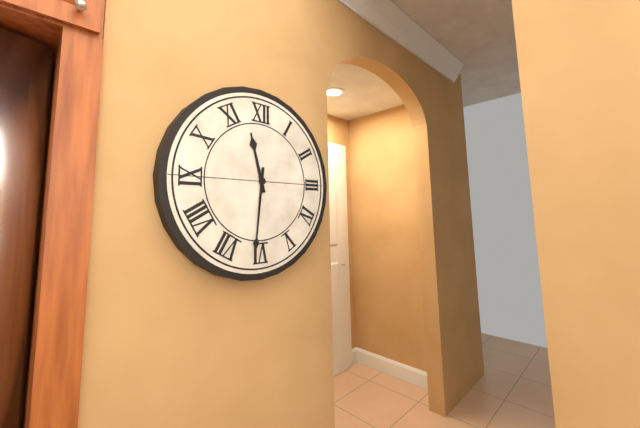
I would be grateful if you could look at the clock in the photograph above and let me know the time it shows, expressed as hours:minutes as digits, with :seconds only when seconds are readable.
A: 11:31
